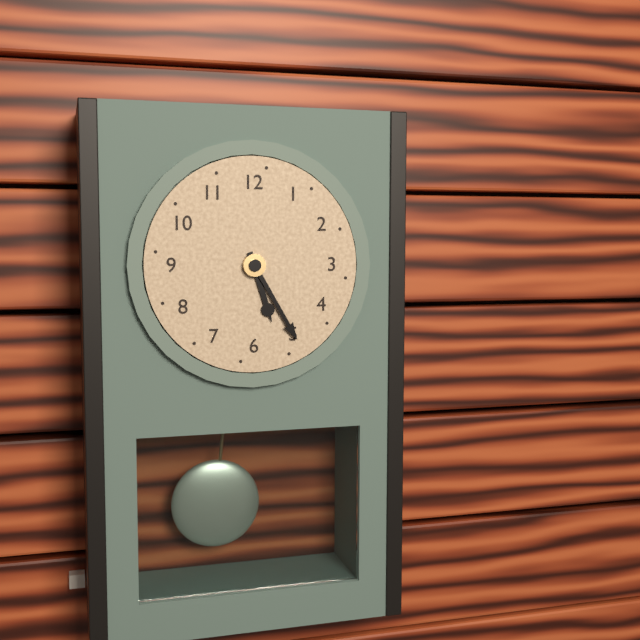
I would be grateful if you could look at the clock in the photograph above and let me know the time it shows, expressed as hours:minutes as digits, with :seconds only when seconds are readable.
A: 5:25
